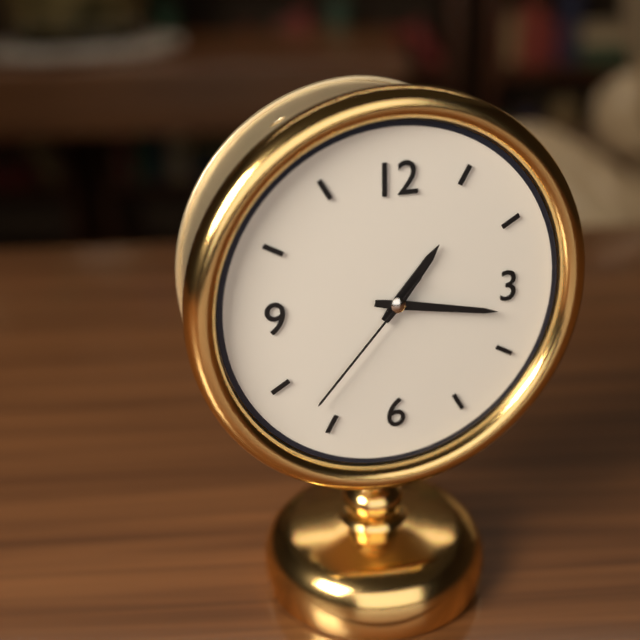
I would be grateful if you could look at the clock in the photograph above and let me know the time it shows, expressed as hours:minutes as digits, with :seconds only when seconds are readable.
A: 1:17:37
